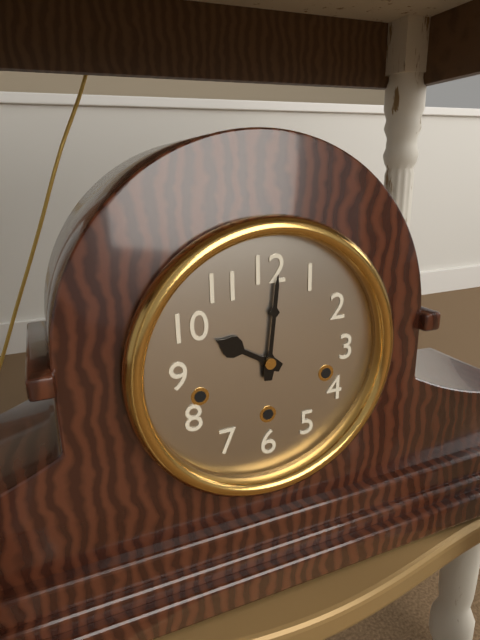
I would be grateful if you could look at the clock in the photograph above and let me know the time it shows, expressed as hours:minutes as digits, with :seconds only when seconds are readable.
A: 10:01
